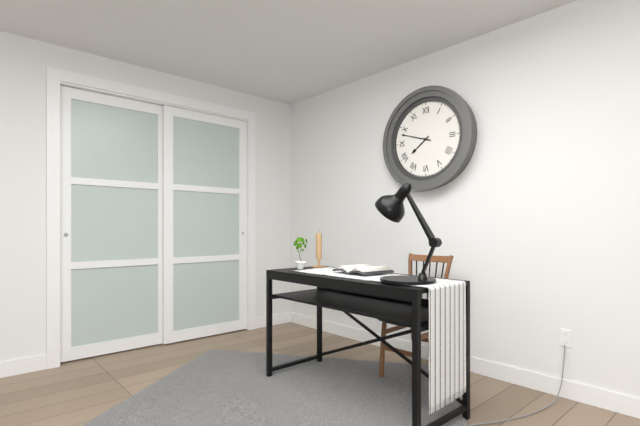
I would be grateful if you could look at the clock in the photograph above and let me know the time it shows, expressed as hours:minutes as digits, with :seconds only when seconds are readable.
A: 7:48
